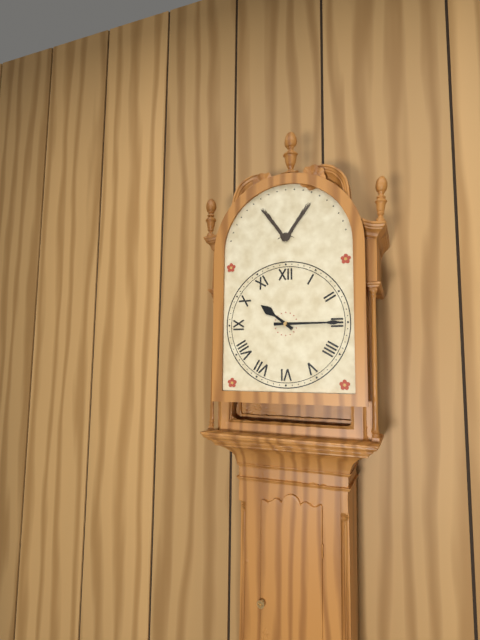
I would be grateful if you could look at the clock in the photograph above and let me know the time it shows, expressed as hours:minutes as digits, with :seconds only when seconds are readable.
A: 10:15
